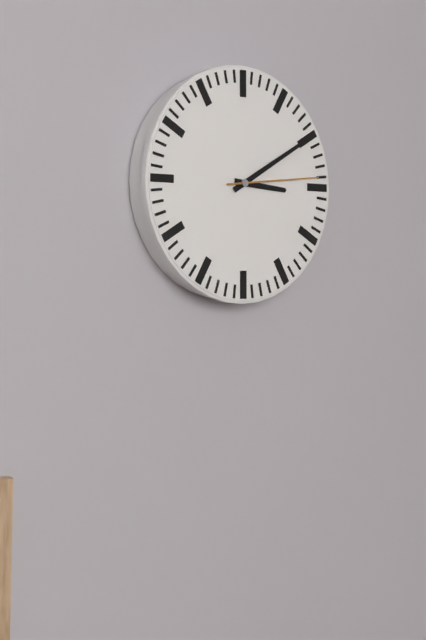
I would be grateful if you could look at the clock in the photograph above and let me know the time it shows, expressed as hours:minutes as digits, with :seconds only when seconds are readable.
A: 3:10:14
